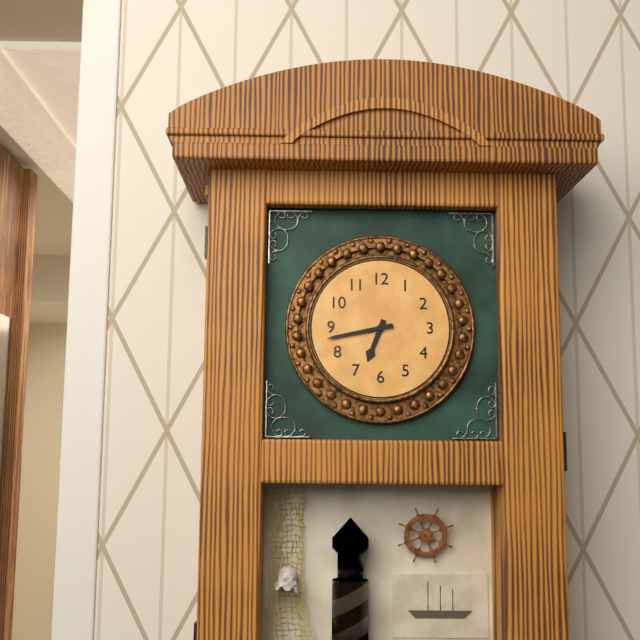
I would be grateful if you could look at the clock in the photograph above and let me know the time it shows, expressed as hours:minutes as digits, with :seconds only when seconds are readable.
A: 6:43
